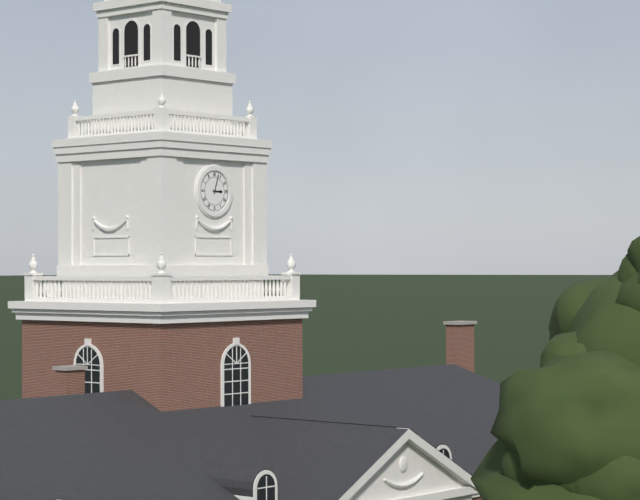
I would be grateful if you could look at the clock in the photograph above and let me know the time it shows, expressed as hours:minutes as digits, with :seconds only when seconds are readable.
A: 3:03
